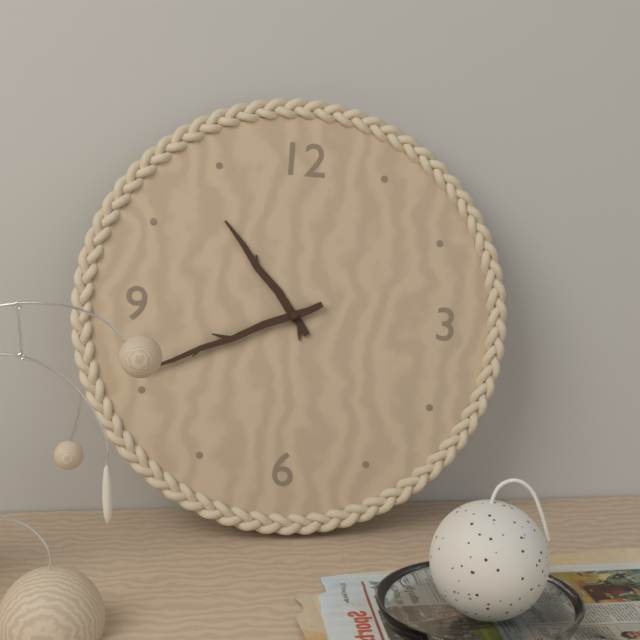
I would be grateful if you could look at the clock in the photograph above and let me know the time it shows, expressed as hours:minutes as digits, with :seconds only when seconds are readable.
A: 10:41
